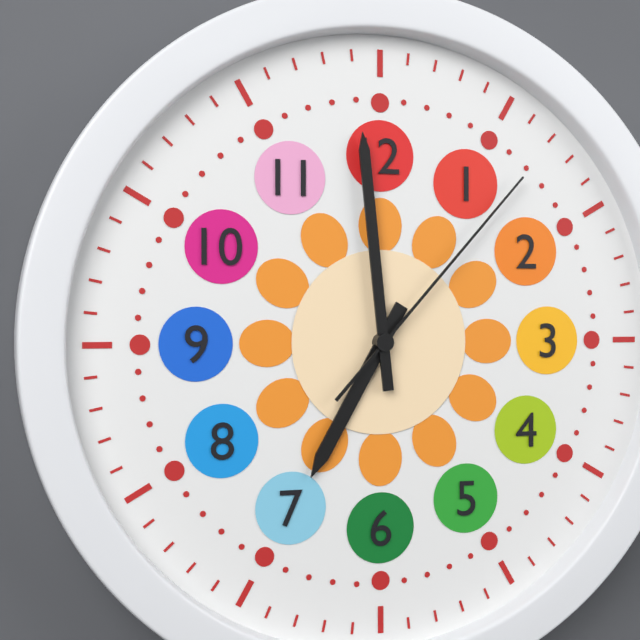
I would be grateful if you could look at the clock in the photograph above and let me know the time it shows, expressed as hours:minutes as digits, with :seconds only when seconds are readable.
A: 6:59:07
